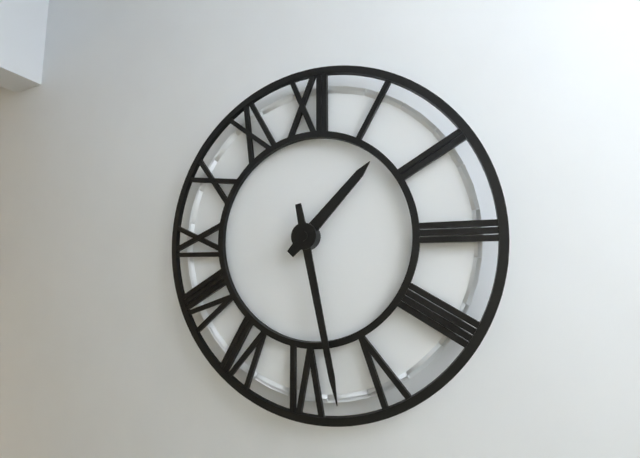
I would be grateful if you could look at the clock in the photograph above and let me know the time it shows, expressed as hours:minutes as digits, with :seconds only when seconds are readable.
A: 1:28
